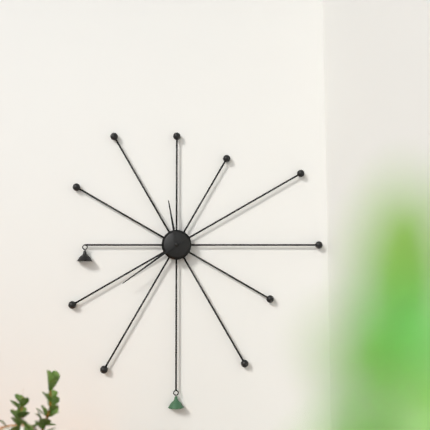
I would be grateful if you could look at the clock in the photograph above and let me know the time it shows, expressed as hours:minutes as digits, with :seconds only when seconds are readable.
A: 11:39
